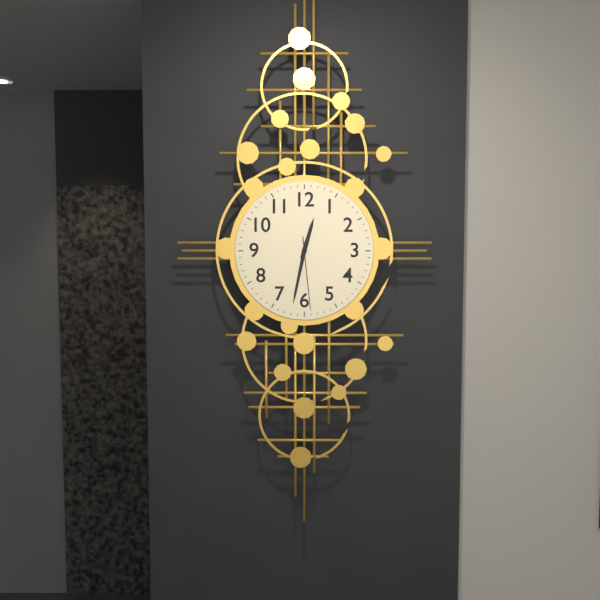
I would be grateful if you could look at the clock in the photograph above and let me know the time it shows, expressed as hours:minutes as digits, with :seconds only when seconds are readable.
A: 12:32:29
